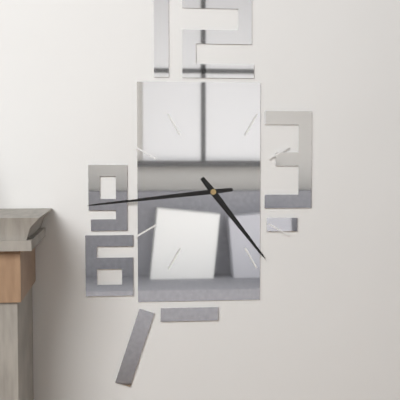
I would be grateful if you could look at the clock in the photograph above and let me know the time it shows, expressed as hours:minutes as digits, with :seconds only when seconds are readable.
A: 4:44
